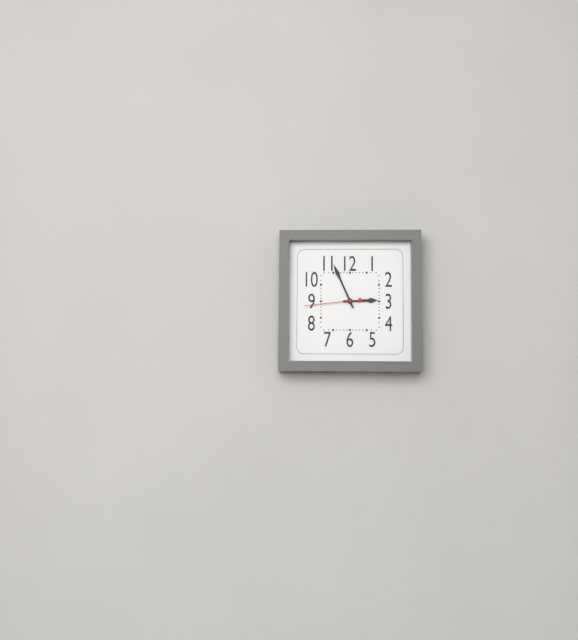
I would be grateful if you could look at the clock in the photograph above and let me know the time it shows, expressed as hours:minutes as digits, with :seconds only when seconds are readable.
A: 2:56:44
